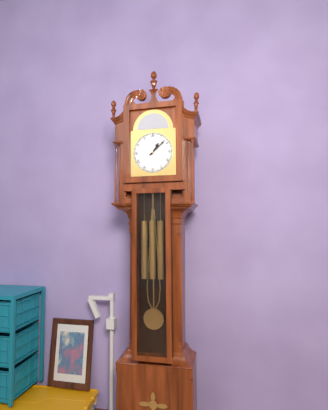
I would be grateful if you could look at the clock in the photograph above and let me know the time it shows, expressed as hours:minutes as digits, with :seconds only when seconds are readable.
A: 1:08
